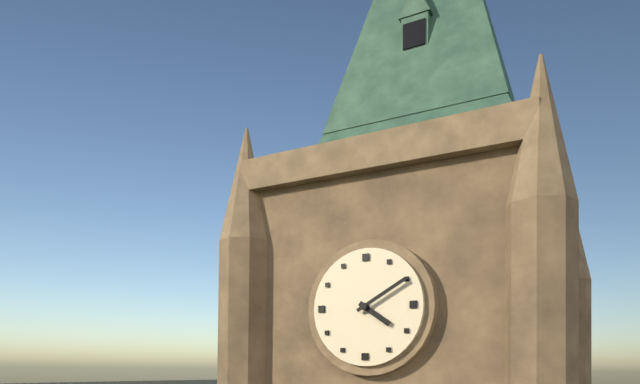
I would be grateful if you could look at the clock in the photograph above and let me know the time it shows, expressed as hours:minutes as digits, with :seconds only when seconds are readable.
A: 4:10
